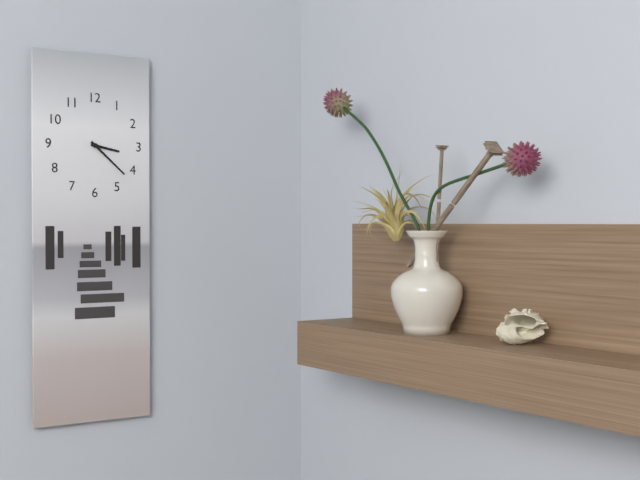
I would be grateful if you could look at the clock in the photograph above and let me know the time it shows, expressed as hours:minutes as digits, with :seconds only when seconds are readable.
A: 3:22
